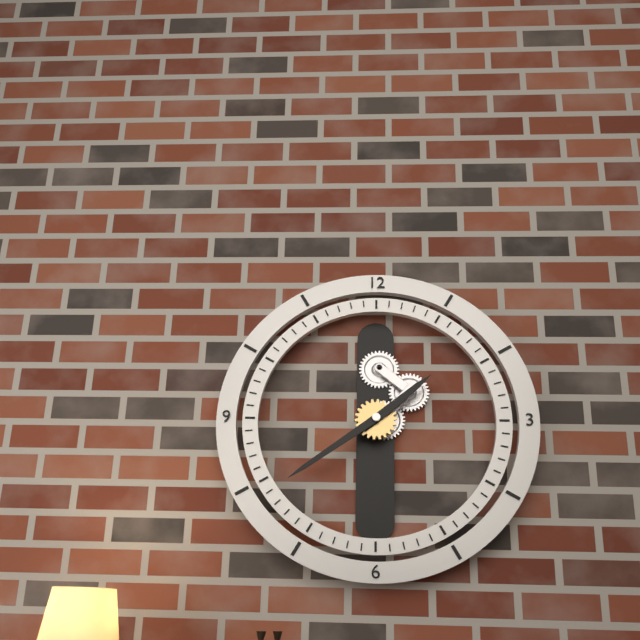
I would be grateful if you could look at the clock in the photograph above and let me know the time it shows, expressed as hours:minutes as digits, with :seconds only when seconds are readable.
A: 1:39
